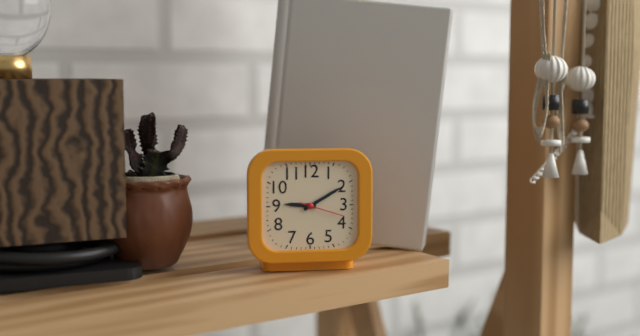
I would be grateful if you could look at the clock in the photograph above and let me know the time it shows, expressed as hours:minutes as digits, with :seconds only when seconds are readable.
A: 9:10:18
